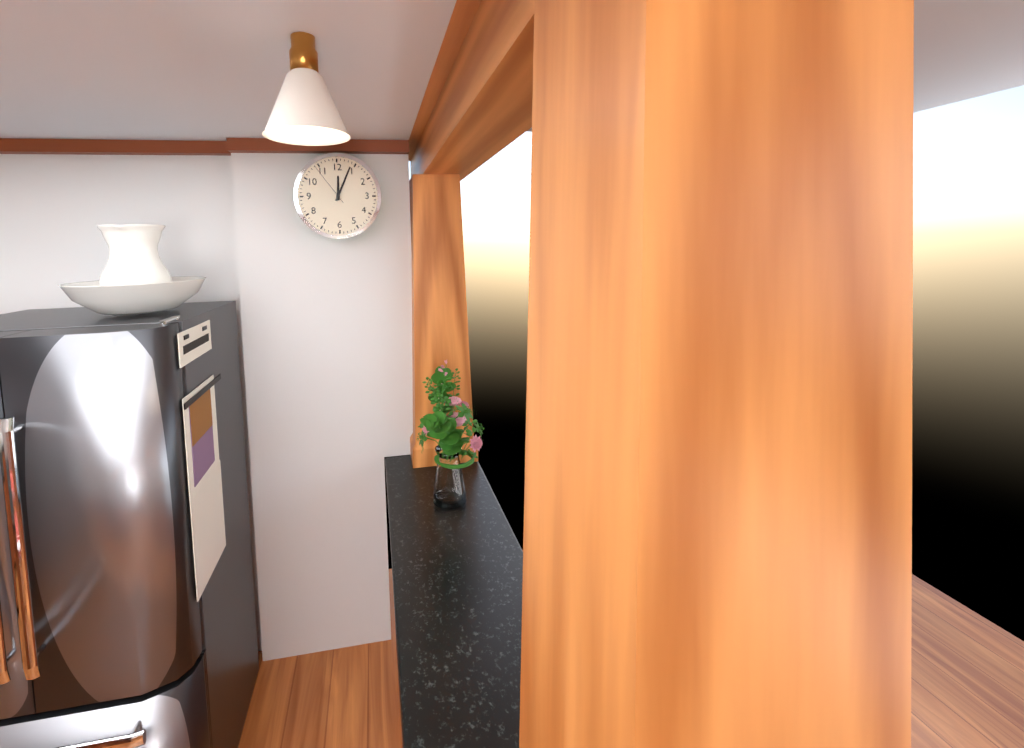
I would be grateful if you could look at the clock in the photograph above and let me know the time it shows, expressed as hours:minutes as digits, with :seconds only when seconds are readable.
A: 12:04
